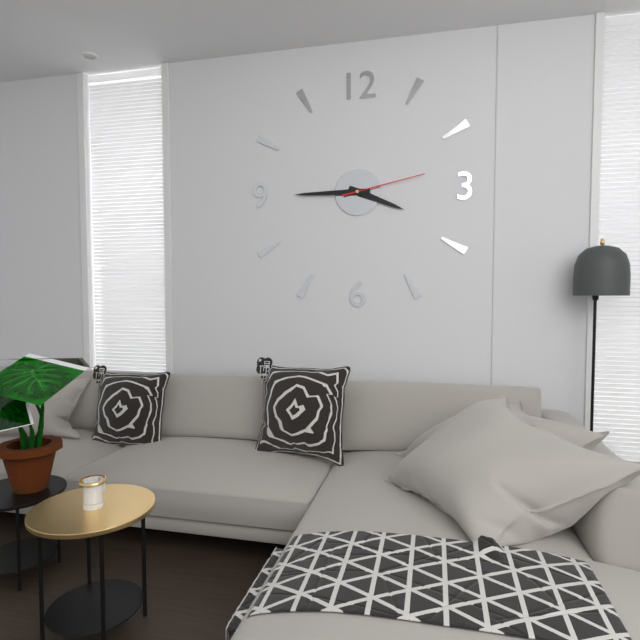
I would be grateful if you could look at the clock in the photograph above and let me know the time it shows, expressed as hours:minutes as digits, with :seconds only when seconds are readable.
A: 3:45:13
